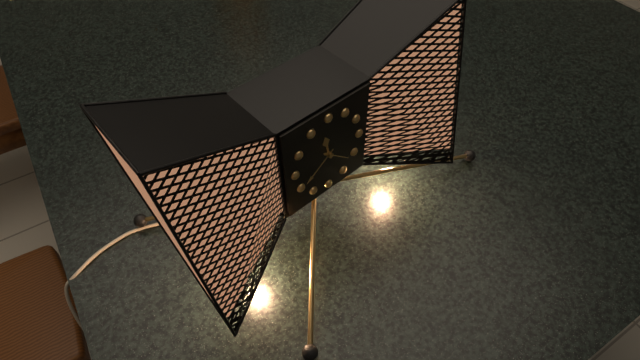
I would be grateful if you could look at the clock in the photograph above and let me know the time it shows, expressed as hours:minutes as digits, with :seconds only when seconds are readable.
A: 11:39
